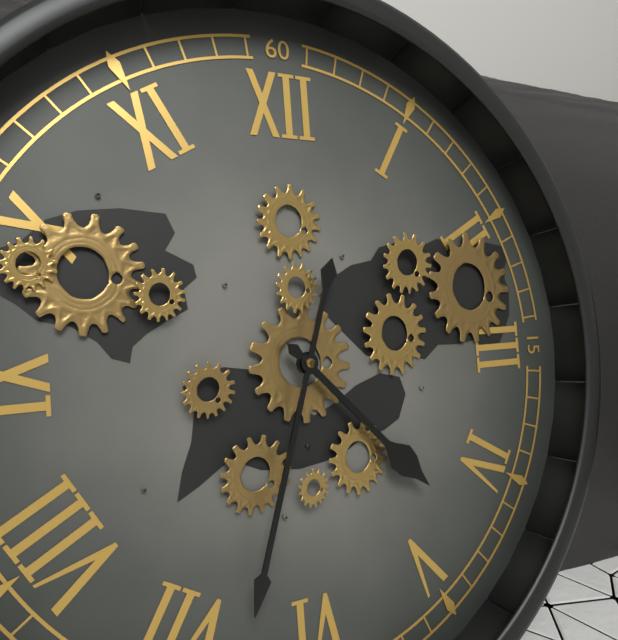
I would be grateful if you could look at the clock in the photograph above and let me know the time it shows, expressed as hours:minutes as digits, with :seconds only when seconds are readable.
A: 4:33
